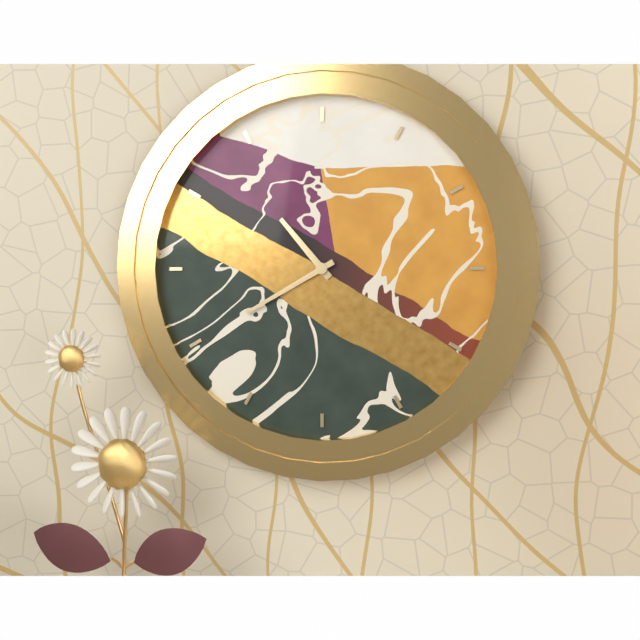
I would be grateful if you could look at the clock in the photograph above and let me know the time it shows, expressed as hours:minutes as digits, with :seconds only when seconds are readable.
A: 10:40
